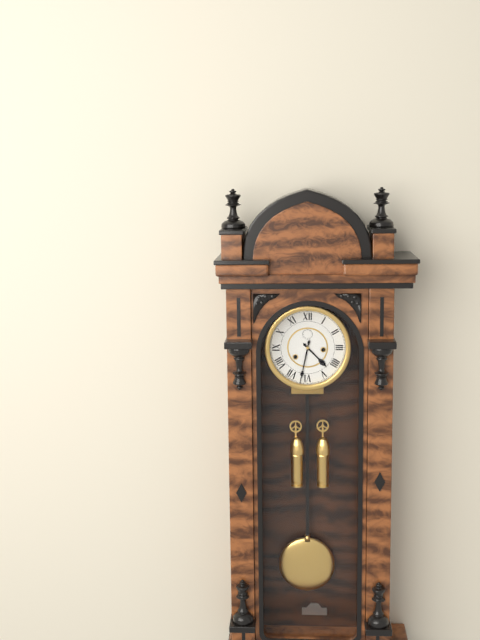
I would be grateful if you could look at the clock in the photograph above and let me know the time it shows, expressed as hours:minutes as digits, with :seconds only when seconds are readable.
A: 4:32
